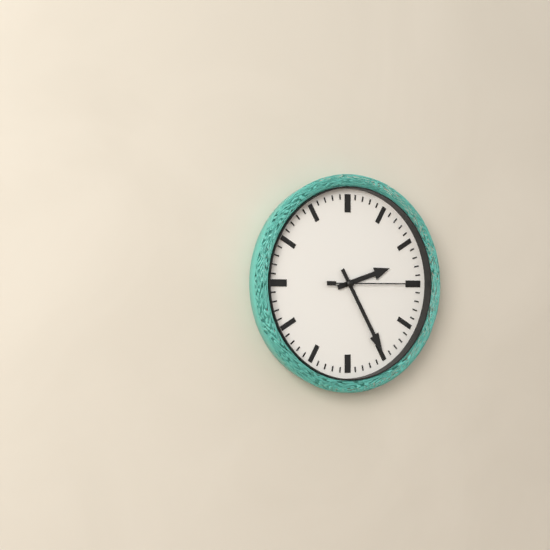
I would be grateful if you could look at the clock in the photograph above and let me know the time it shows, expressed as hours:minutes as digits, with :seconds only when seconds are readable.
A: 2:25:15
